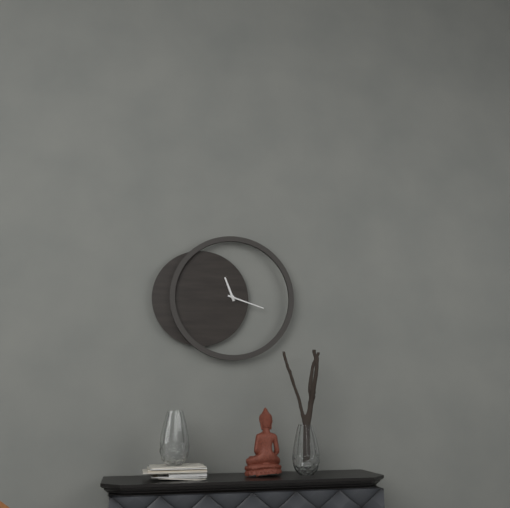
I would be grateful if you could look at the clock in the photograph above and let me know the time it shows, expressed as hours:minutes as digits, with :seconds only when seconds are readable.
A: 11:18
